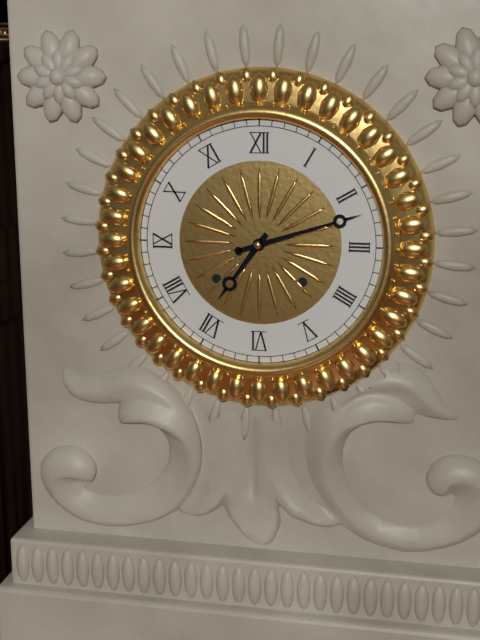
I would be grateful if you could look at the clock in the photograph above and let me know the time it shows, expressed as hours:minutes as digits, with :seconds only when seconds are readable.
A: 7:12
